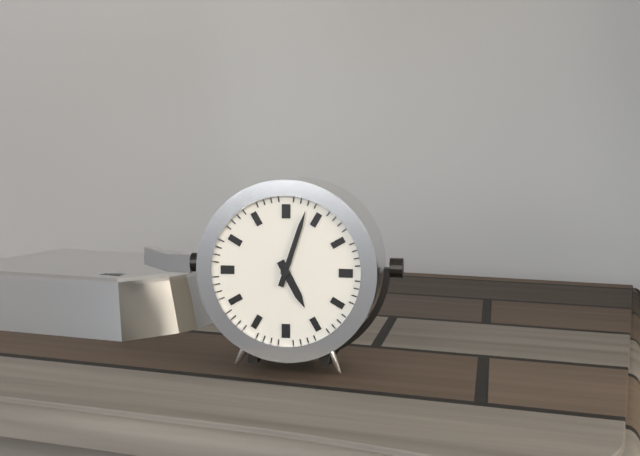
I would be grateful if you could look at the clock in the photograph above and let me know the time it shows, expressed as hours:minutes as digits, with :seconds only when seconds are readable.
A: 5:03
